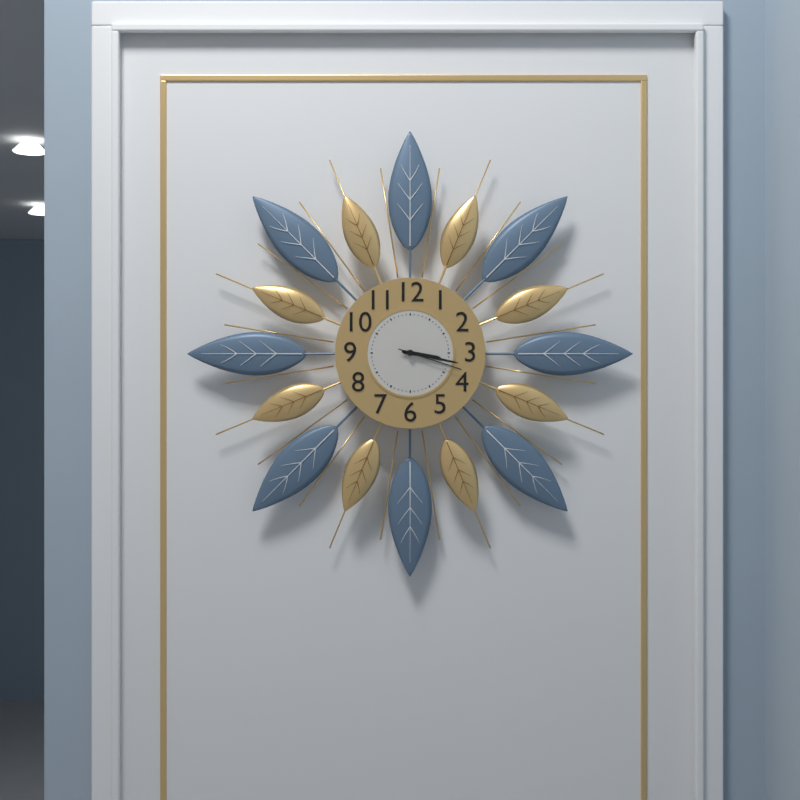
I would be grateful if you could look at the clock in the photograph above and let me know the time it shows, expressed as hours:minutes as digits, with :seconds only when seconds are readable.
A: 3:17:18
